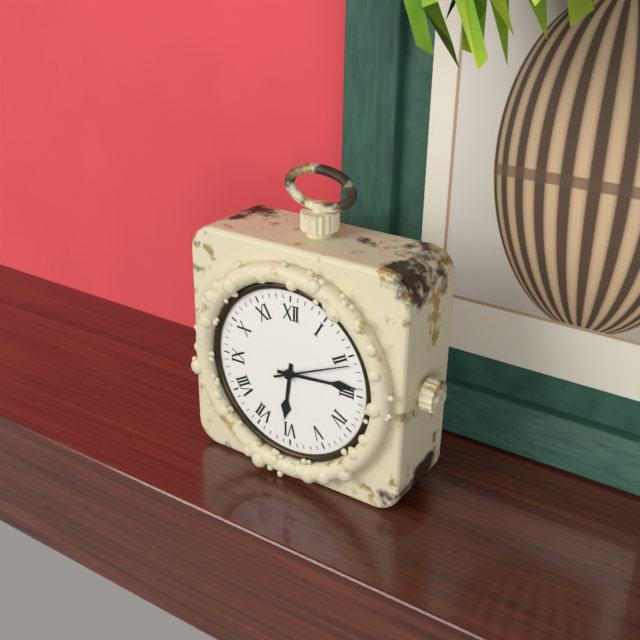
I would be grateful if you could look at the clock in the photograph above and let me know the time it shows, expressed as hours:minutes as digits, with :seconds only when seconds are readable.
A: 6:14:11
